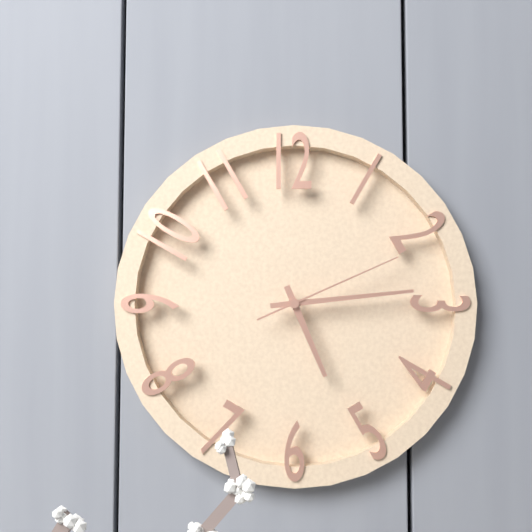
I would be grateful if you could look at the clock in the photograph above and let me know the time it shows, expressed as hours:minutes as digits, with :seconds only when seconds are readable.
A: 5:14:11
